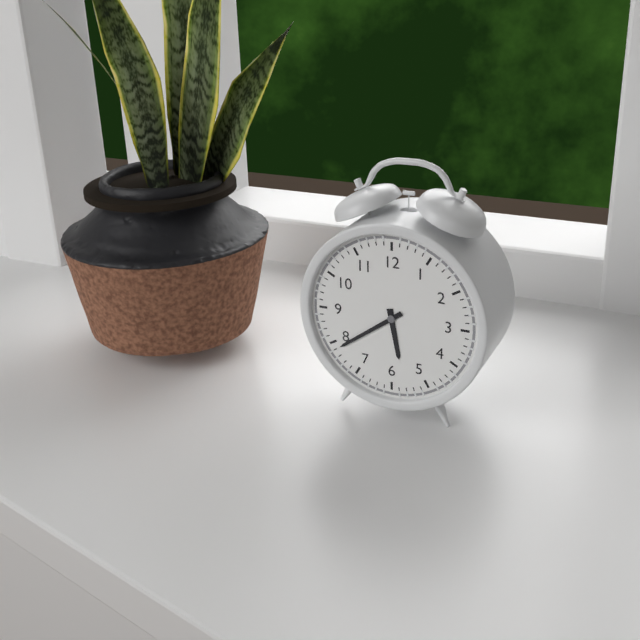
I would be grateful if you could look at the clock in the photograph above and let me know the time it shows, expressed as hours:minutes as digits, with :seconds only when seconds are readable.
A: 5:39
